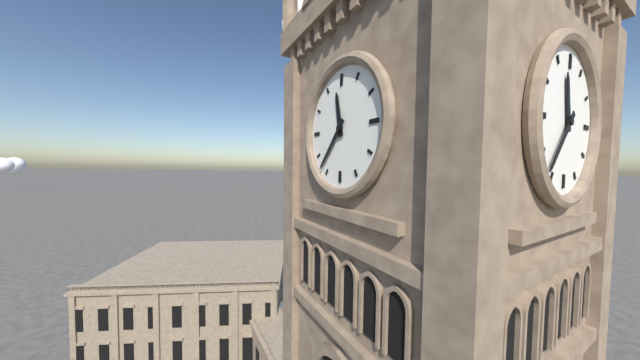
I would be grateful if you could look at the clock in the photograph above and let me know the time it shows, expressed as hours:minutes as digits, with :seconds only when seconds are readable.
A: 11:37
